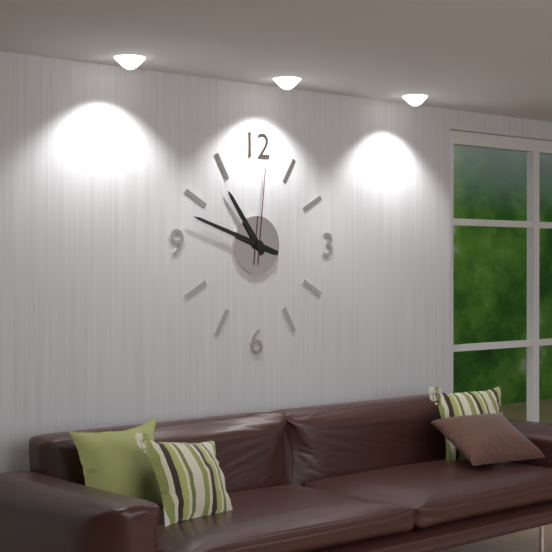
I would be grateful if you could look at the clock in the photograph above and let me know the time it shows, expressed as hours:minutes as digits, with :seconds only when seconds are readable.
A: 10:48:01
